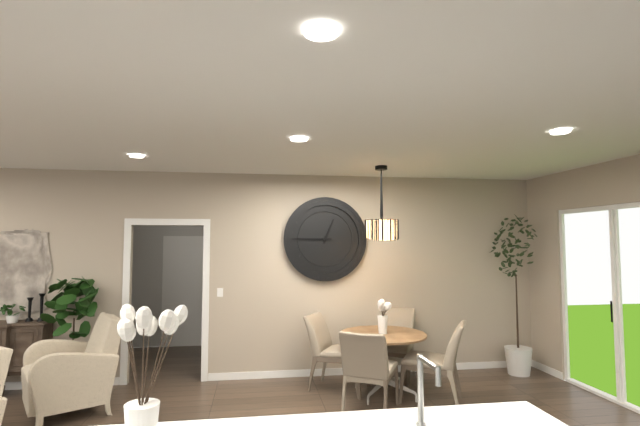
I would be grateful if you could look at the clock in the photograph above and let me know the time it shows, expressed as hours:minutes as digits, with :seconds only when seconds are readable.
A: 12:45
